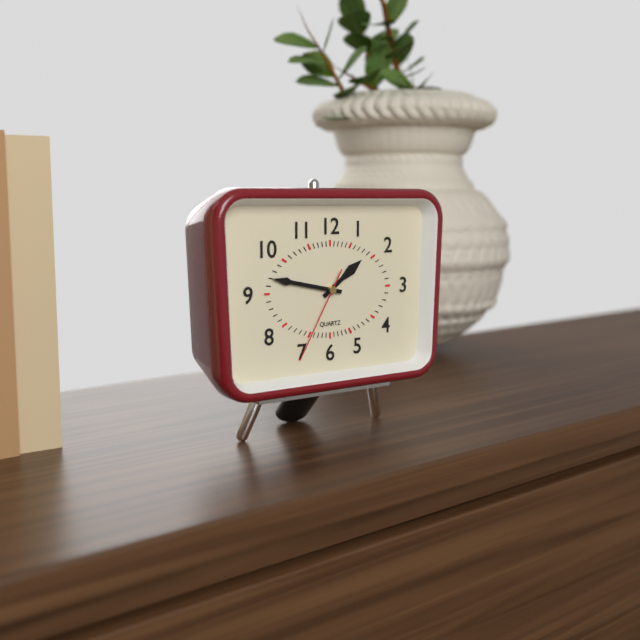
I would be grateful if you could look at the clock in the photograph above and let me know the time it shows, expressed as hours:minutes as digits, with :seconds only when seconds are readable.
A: 1:47:35
